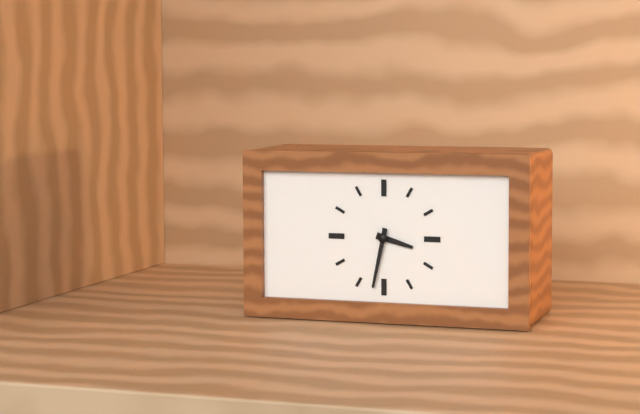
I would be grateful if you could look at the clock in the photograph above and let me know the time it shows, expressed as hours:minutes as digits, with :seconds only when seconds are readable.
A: 3:32
